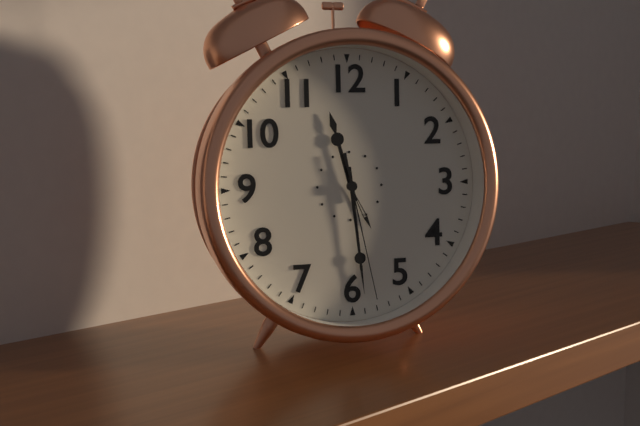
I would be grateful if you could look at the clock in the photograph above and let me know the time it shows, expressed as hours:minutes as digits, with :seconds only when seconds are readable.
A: 11:29:28
